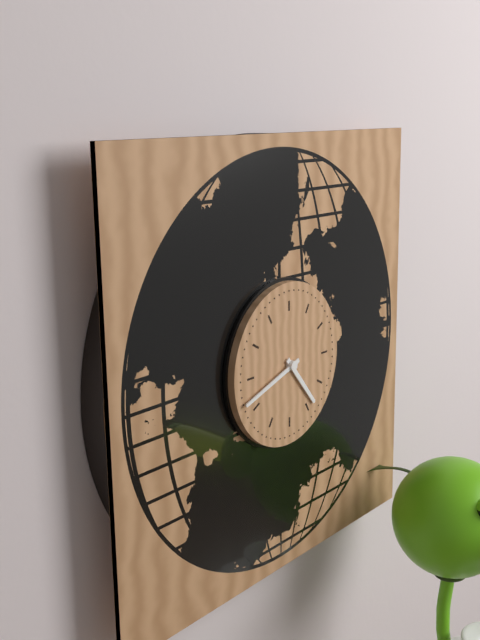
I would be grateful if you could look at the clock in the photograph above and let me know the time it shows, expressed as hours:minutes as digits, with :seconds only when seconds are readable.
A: 4:42
